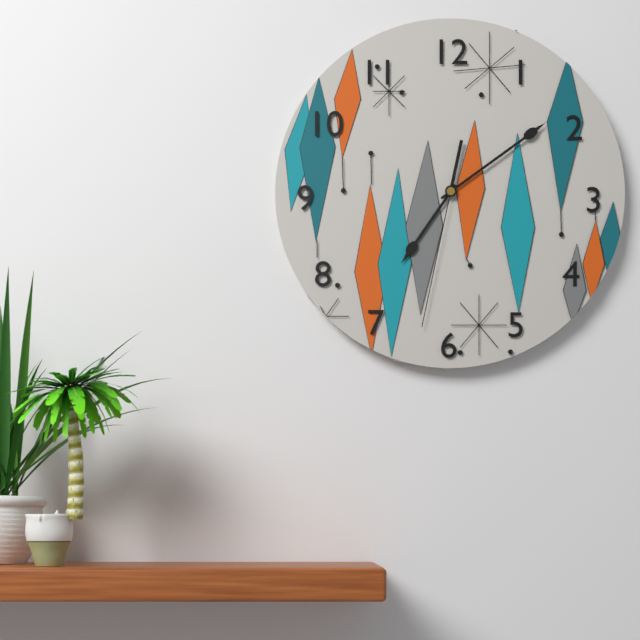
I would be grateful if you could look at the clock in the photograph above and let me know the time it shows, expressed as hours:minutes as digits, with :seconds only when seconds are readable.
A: 7:09:32
